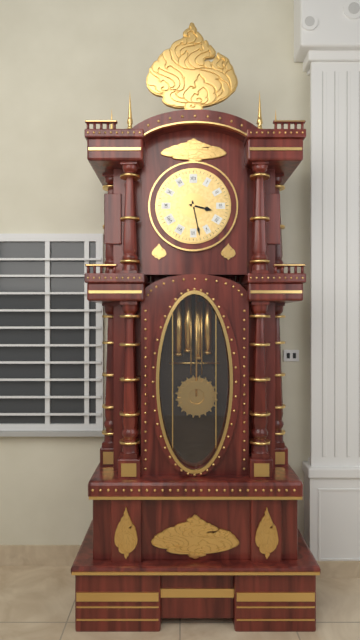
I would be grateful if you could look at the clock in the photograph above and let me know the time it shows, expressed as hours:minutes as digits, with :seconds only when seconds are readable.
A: 3:28
